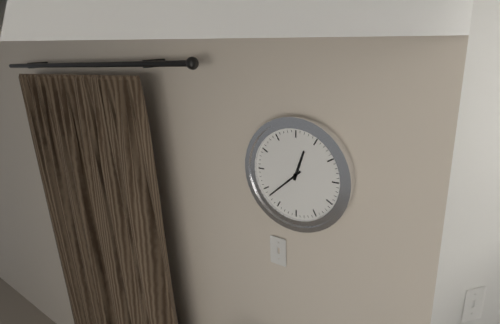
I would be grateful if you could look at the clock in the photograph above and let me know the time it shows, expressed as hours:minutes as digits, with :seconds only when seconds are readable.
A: 12:38
